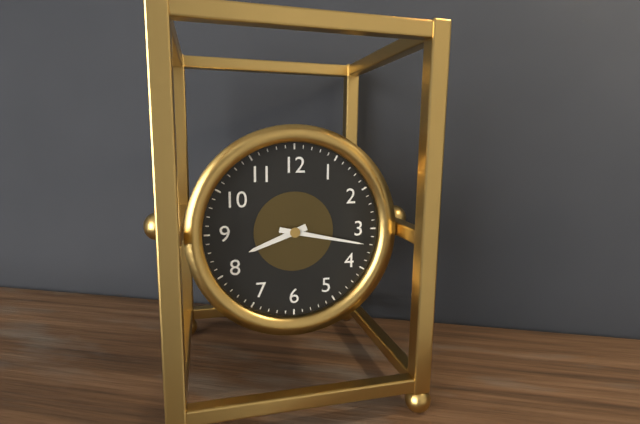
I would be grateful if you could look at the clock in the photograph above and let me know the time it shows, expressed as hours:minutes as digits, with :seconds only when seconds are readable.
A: 8:17
